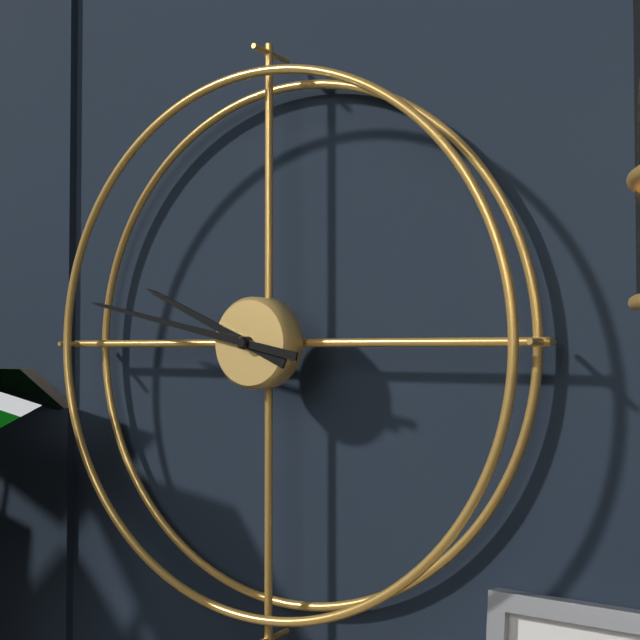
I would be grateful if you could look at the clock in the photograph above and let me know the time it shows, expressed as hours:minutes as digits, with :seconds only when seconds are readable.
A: 9:47
